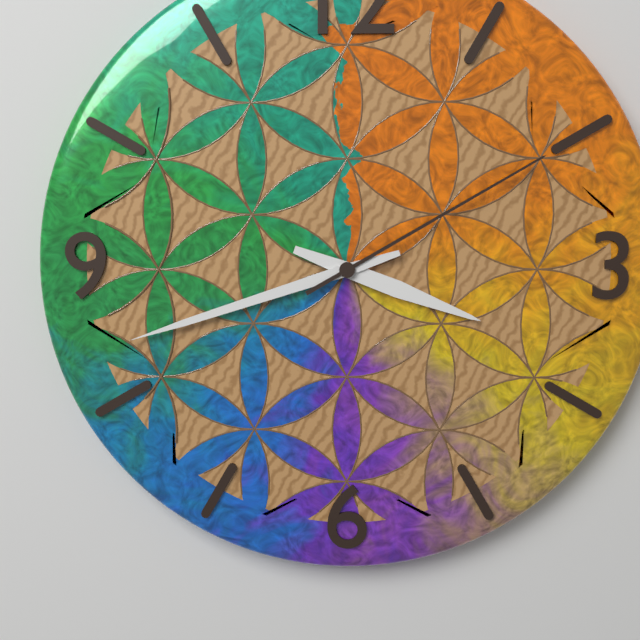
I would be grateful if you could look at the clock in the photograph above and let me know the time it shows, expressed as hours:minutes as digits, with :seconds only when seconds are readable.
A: 3:42:10
